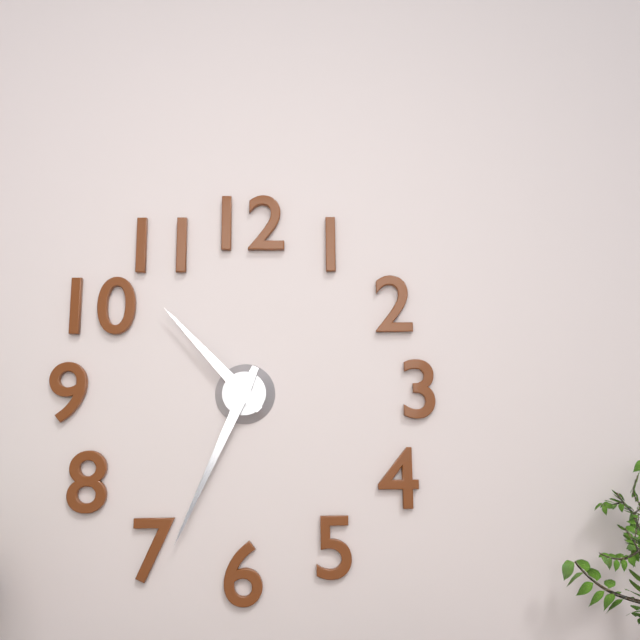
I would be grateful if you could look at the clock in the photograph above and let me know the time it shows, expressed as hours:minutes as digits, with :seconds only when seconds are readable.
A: 10:34
